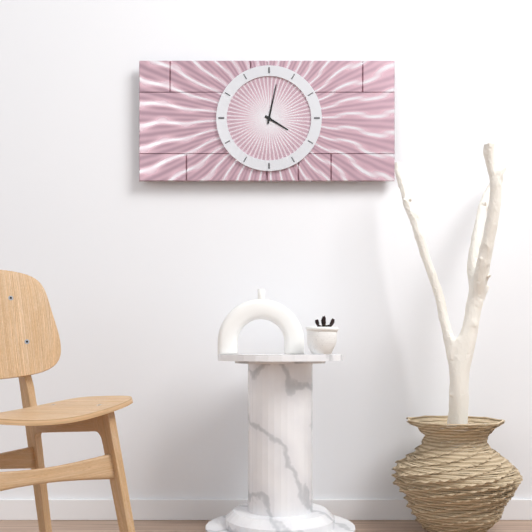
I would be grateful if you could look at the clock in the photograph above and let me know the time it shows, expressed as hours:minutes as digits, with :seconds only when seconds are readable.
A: 4:02
